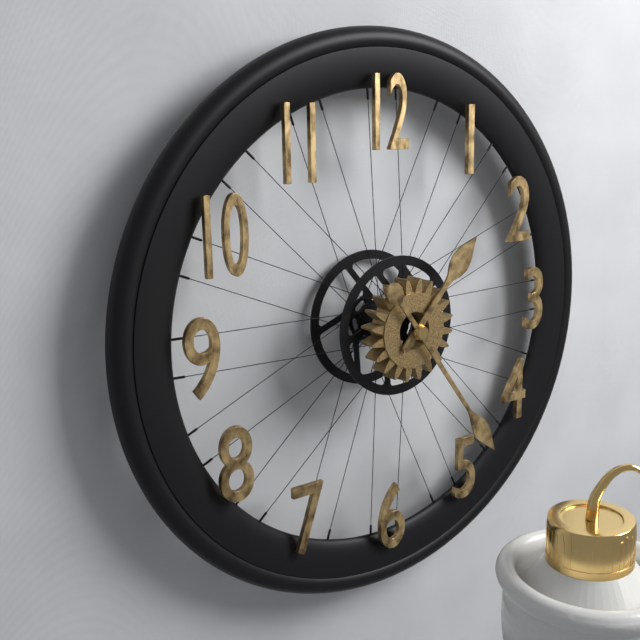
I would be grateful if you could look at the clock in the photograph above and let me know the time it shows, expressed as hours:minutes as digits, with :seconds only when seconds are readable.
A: 1:24
